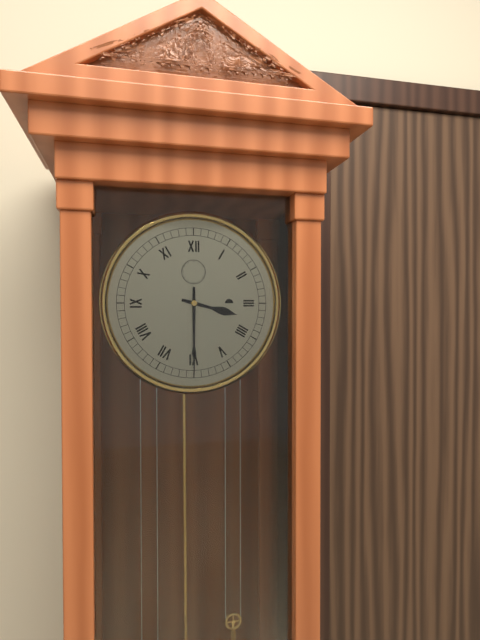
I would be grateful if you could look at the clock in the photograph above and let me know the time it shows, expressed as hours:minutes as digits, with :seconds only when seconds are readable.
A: 3:30
